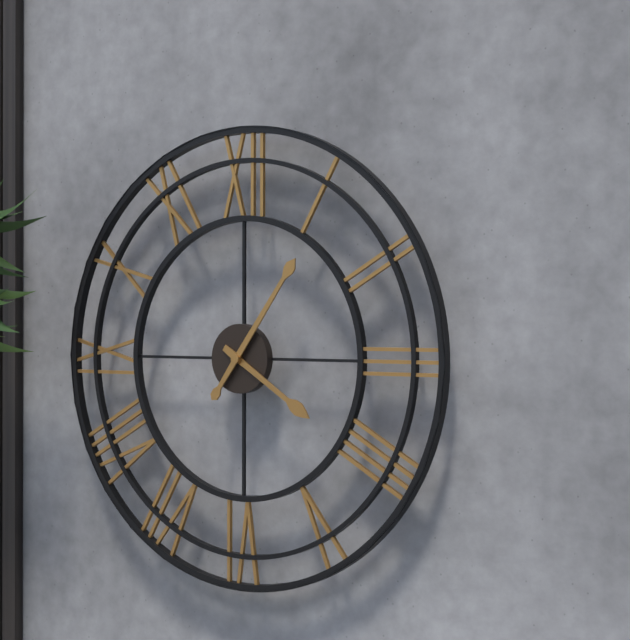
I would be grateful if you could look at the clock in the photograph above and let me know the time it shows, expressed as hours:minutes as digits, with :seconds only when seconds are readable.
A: 4:06
